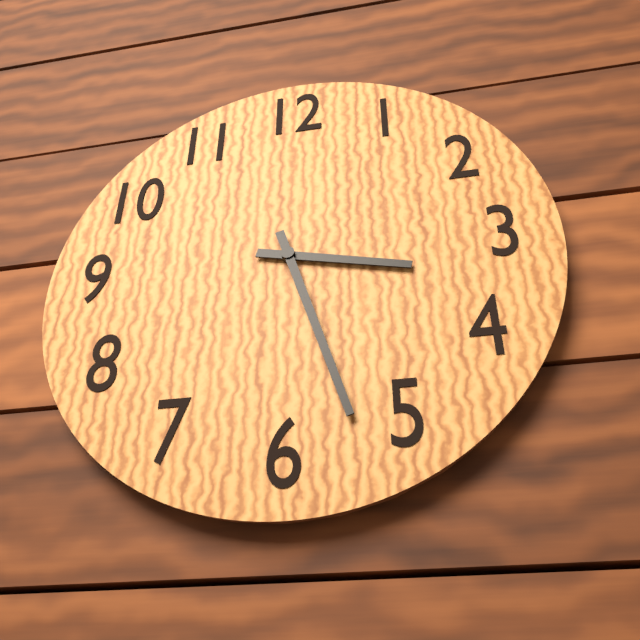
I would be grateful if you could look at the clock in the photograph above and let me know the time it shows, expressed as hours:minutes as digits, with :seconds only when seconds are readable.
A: 3:27
